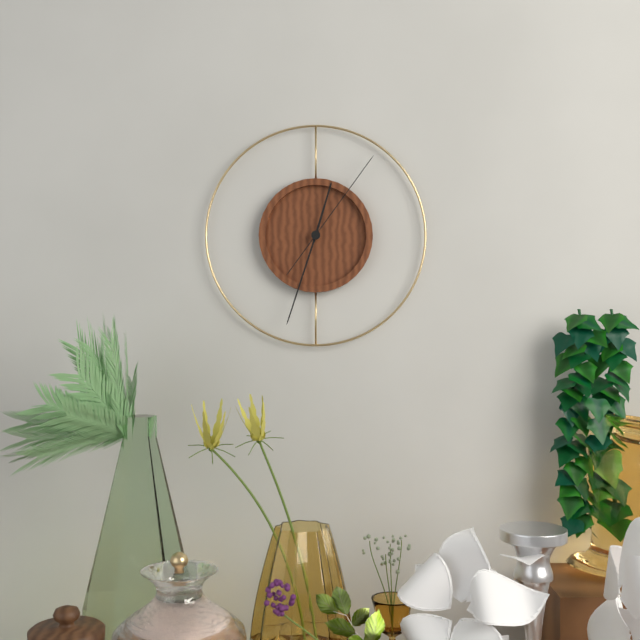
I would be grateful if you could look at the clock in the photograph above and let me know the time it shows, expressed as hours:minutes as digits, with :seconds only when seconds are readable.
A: 12:33:06
